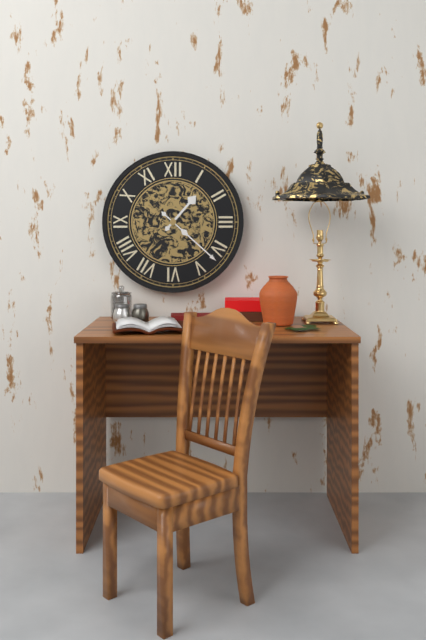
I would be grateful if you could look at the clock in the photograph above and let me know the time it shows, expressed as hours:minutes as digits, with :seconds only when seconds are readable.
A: 1:22
